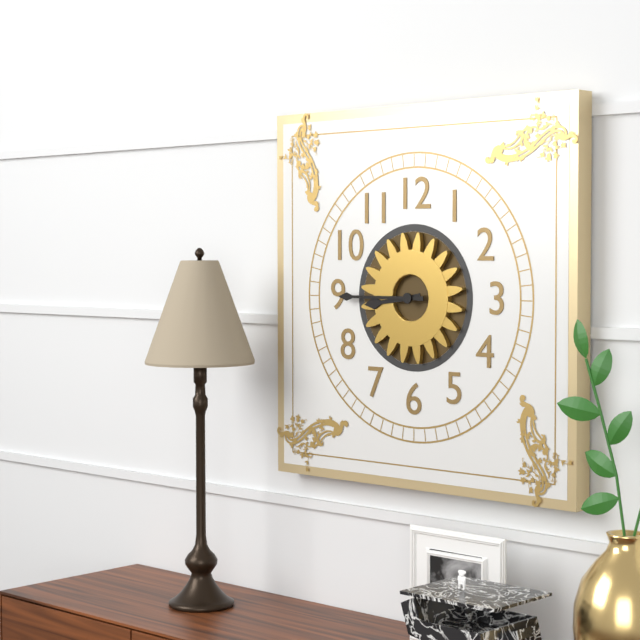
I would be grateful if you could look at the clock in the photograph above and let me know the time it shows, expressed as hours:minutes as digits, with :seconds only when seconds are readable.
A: 8:45
